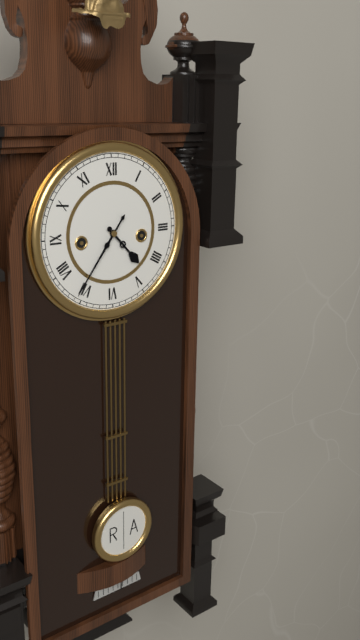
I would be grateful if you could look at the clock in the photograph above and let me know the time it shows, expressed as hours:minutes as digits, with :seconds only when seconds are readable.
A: 4:36
